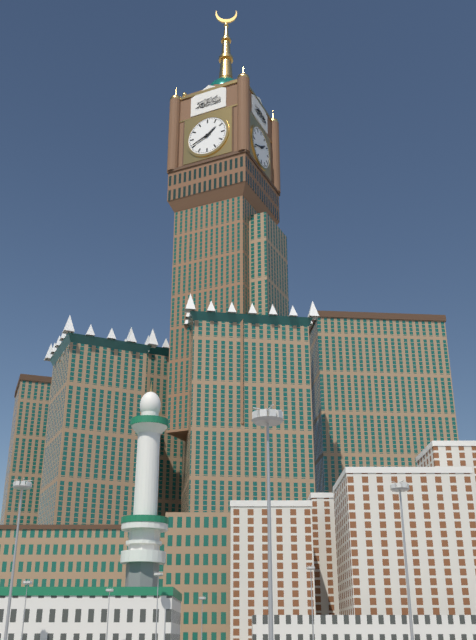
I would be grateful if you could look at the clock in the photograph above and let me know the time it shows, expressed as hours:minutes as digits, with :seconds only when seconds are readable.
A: 1:41
